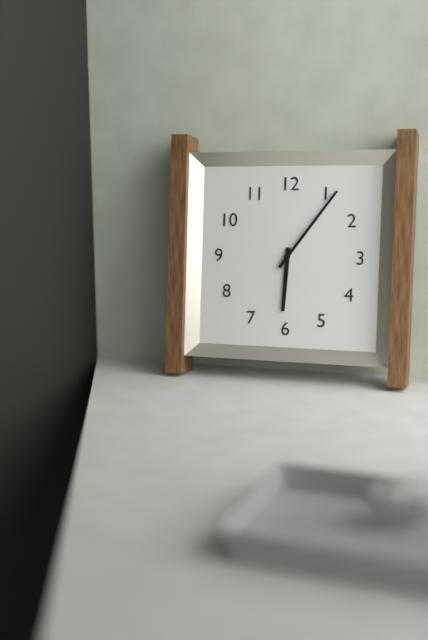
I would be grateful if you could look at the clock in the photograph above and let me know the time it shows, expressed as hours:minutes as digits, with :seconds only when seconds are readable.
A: 6:06
